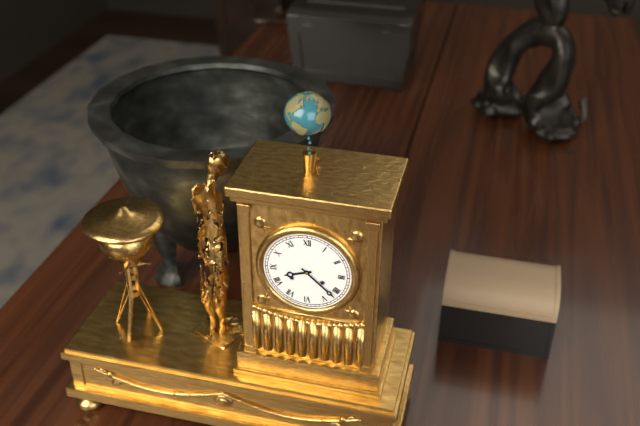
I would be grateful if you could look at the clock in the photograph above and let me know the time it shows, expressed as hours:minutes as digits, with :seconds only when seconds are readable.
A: 8:22
